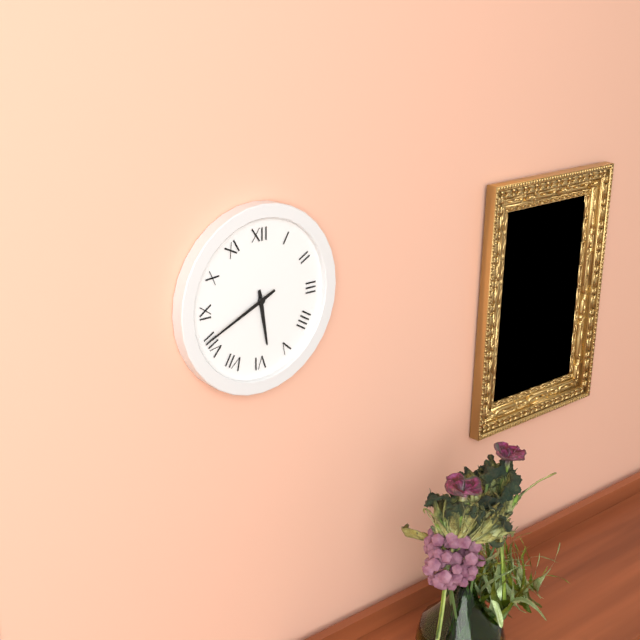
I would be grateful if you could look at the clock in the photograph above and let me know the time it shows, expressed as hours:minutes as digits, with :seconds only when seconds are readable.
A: 5:41
